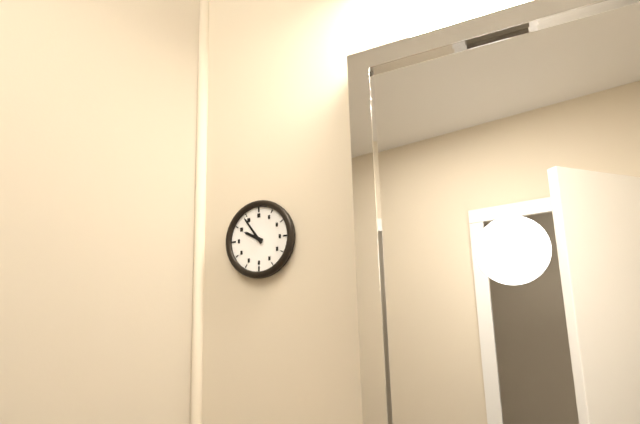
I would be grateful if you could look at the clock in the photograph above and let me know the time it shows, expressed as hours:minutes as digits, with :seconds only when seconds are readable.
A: 9:54
